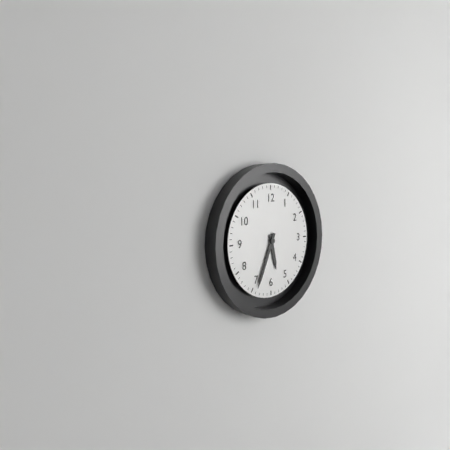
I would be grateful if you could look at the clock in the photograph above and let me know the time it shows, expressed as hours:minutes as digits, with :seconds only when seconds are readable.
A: 5:34
